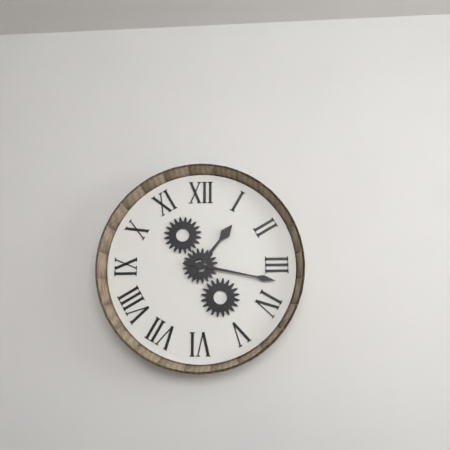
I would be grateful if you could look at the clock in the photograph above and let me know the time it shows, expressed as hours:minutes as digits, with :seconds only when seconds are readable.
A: 1:17
